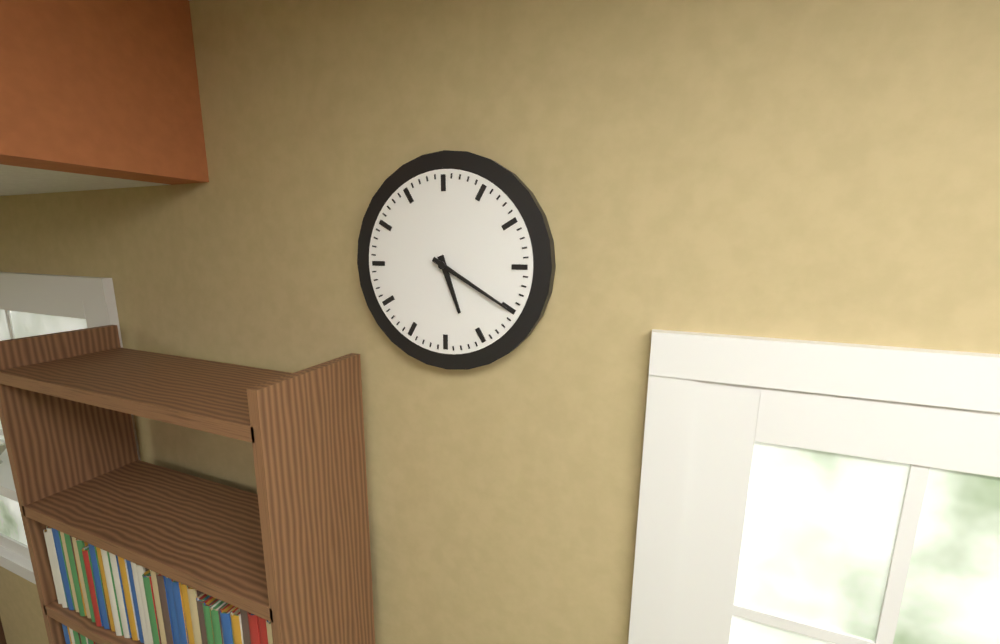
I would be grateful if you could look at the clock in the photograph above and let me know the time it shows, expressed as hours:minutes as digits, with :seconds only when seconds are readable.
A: 5:20
